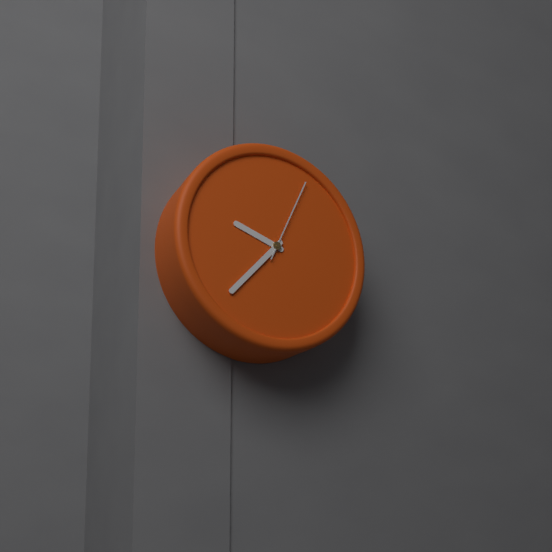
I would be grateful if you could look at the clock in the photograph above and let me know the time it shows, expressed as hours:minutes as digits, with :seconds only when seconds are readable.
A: 9:37:04
